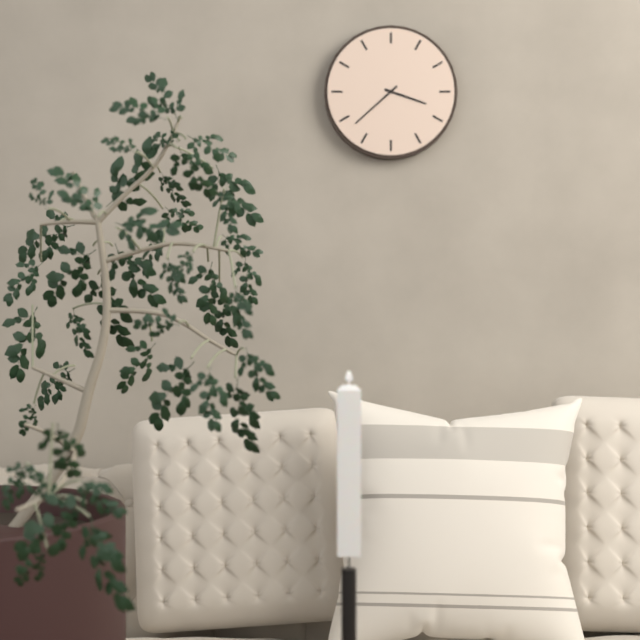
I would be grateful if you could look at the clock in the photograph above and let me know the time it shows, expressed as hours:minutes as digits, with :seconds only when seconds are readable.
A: 3:38
